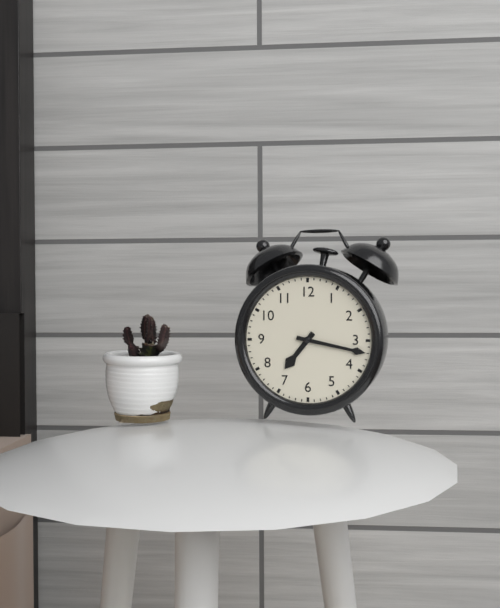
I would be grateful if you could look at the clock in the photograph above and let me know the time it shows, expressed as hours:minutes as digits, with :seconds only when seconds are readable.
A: 7:17
